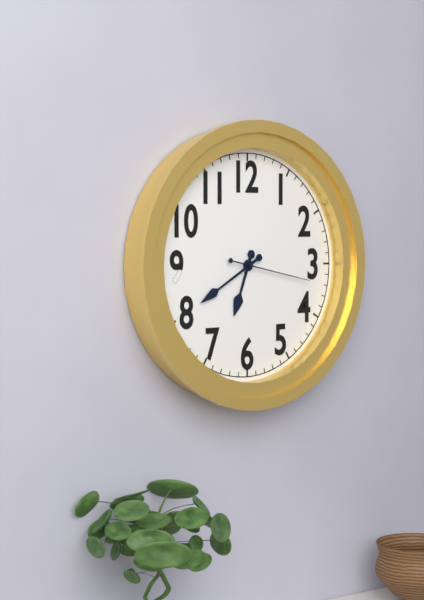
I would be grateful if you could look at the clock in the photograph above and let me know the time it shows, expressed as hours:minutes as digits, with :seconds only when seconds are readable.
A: 6:40:17
